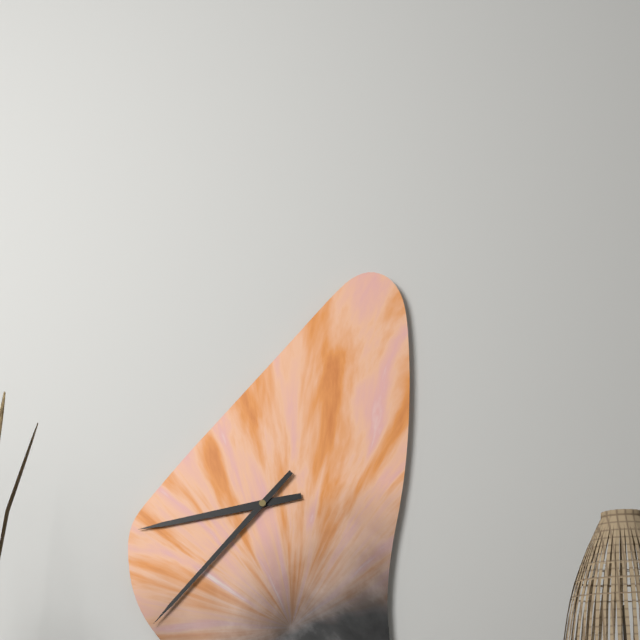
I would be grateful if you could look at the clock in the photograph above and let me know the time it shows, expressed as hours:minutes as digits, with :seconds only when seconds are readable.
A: 8:37
